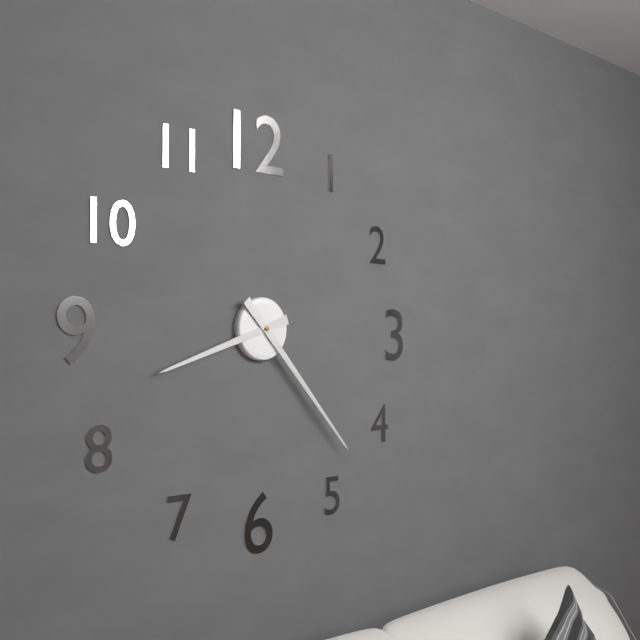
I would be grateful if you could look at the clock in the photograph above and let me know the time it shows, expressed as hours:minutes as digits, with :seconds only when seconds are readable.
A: 8:23
